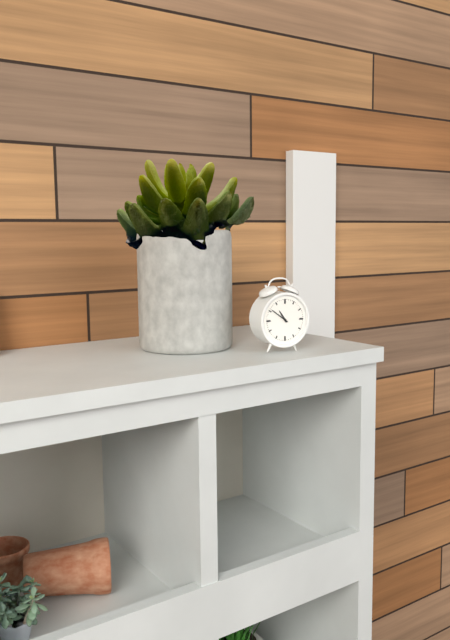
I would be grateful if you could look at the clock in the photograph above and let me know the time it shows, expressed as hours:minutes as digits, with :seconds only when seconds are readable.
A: 10:51
